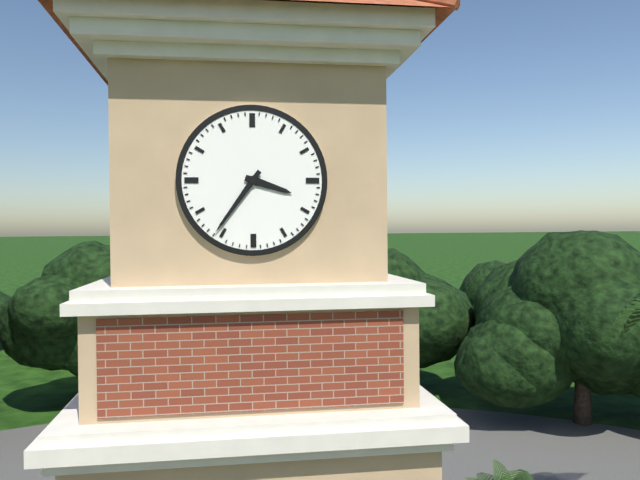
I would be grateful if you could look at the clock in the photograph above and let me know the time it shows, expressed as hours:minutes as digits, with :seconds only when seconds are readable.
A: 3:36
